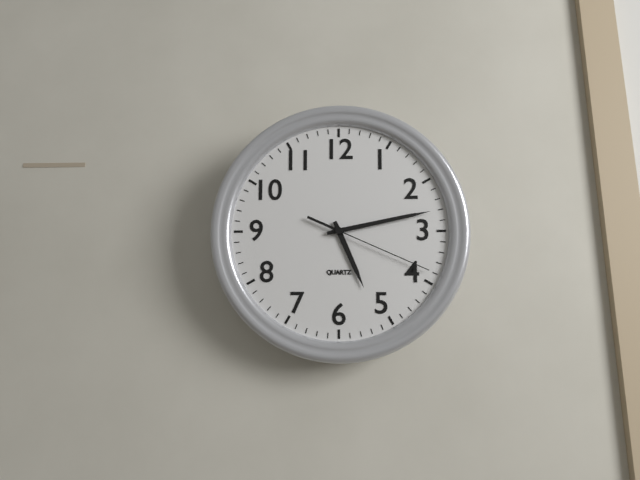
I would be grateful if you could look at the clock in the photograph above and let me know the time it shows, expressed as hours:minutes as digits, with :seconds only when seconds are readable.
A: 5:13:19
